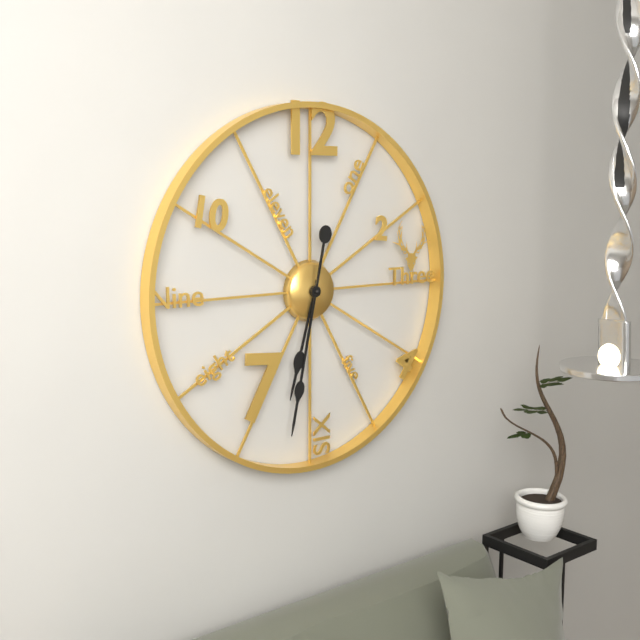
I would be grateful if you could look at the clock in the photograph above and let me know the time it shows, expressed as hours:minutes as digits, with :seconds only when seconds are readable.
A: 6:32
